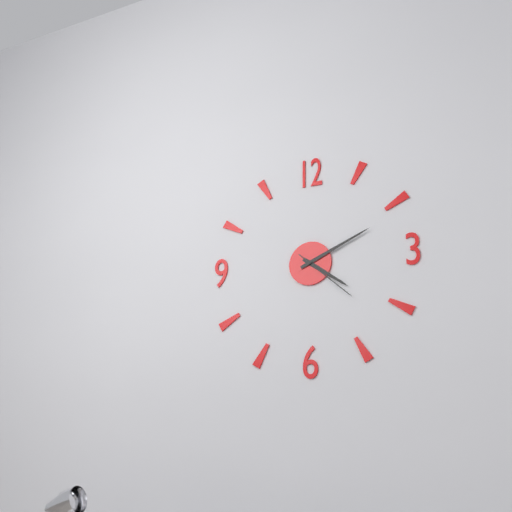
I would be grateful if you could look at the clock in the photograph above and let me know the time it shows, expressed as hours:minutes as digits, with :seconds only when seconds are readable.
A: 4:11:22
